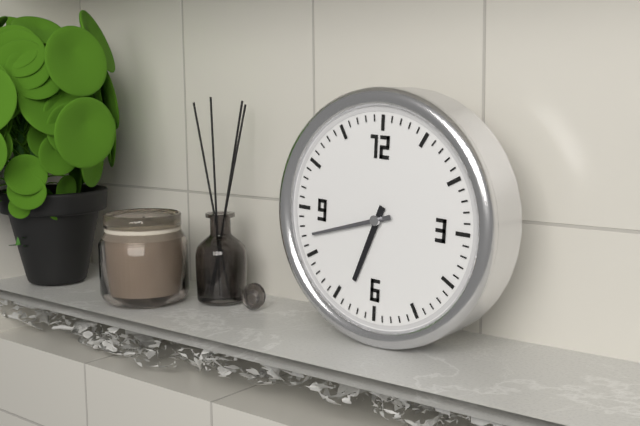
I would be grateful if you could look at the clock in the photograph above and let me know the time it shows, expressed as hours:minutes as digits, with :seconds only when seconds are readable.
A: 6:42
